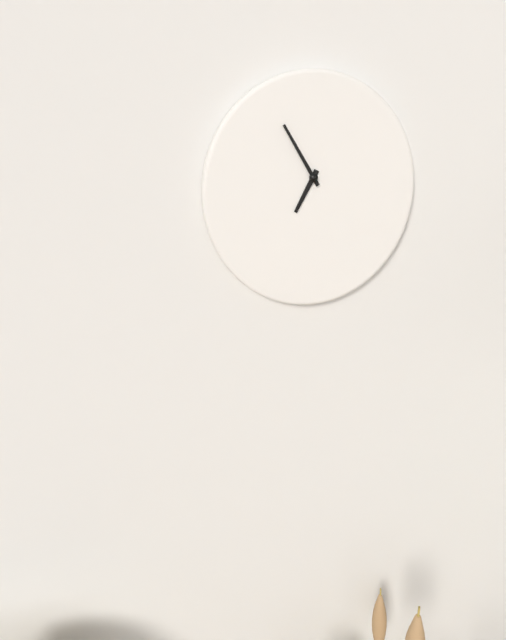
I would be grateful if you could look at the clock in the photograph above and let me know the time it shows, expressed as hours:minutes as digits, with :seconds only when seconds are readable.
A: 6:55
